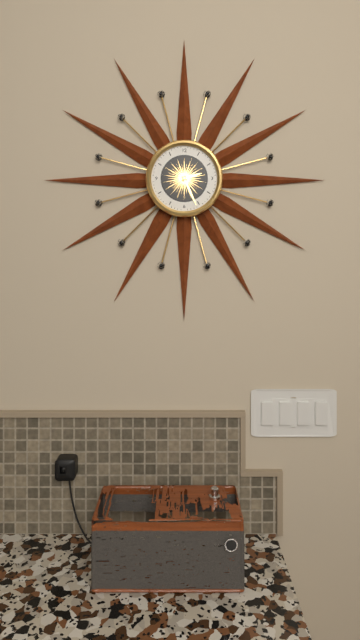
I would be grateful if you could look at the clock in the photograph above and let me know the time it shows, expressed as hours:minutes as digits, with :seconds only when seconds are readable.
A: 2:26
